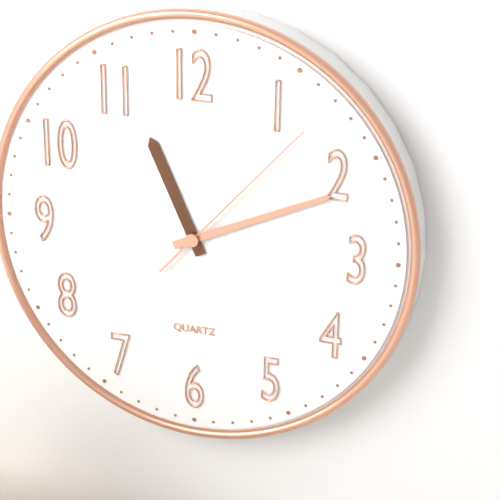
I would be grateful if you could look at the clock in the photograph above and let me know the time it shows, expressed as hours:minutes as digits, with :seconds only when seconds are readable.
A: 11:11:07
